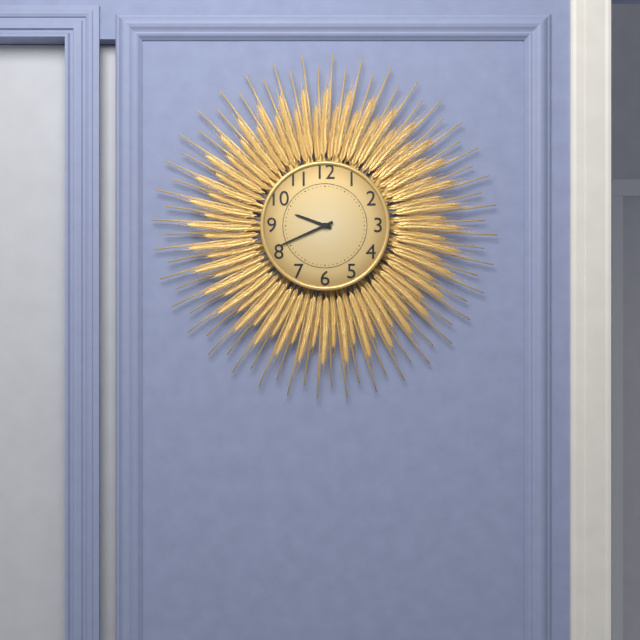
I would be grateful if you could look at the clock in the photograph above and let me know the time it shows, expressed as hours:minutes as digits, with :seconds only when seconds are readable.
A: 9:41
